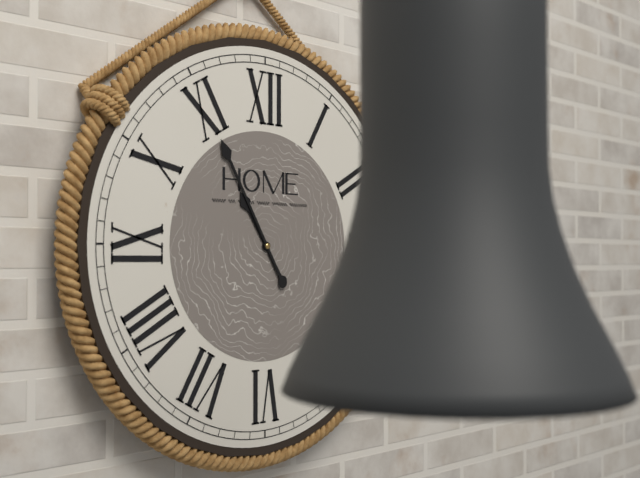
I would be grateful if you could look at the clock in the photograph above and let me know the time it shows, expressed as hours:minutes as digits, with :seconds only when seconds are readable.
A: 10:55
